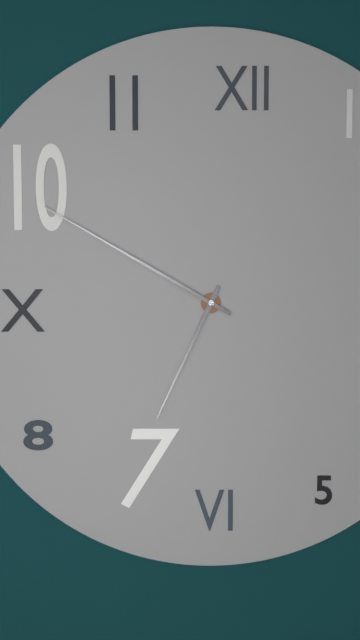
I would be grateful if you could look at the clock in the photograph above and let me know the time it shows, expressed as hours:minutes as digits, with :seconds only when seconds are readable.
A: 6:50
